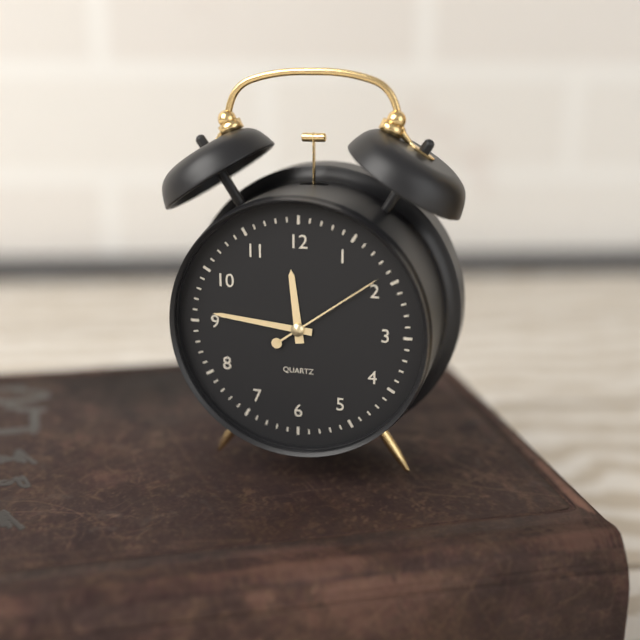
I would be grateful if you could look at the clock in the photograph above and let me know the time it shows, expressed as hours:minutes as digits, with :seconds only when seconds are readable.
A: 11:46:09
